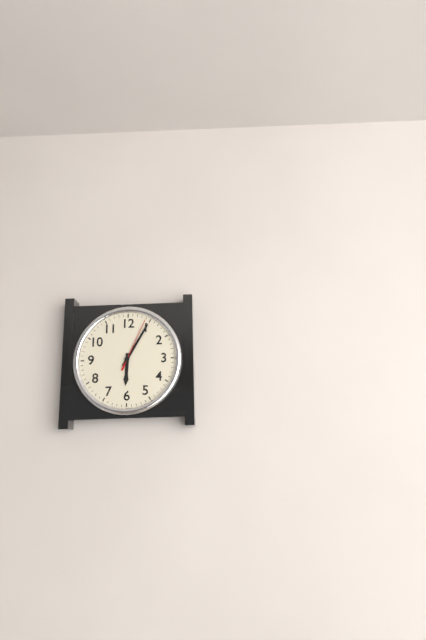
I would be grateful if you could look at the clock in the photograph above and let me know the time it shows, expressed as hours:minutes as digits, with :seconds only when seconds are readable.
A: 6:05:04
